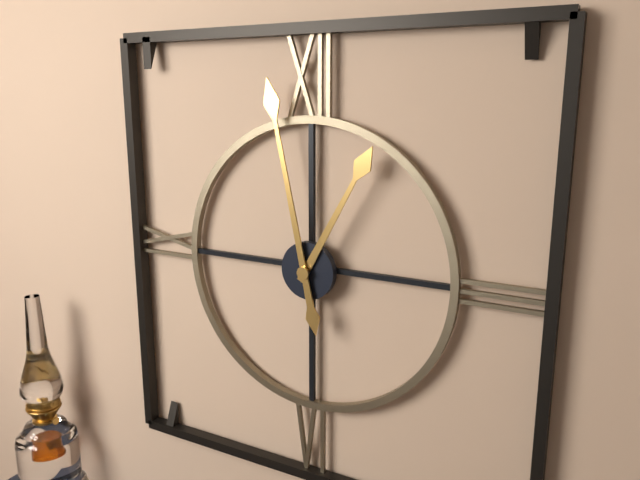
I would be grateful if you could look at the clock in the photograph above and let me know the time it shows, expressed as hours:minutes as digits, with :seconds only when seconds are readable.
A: 12:58
